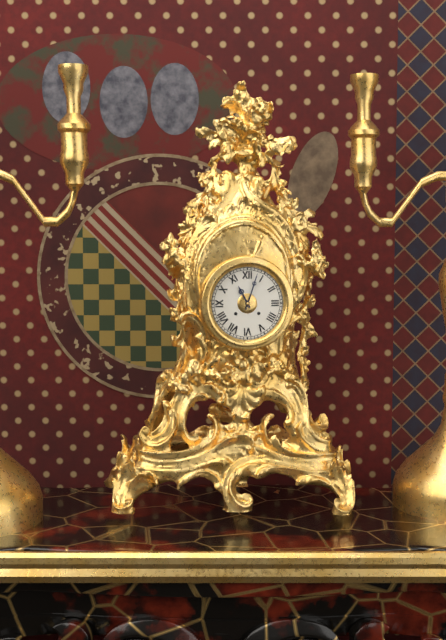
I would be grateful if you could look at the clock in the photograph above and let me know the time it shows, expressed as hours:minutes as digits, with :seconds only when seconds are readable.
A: 11:03
